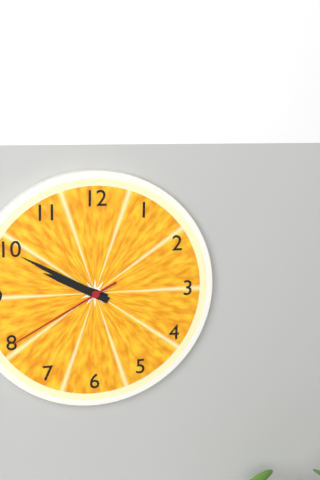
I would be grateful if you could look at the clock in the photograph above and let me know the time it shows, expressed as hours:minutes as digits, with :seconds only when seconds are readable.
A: 9:50:40
